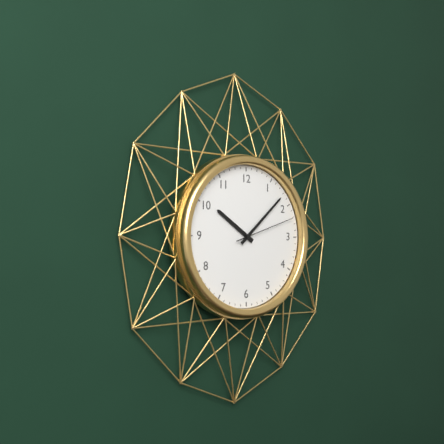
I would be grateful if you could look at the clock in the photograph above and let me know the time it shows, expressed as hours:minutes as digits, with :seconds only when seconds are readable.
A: 10:08:12
